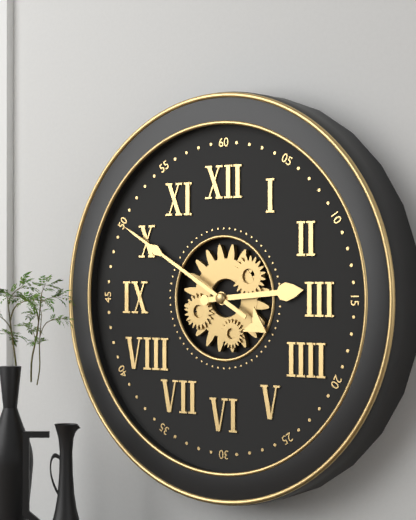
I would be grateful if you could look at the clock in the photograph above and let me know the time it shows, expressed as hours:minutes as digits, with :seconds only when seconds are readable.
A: 2:50
